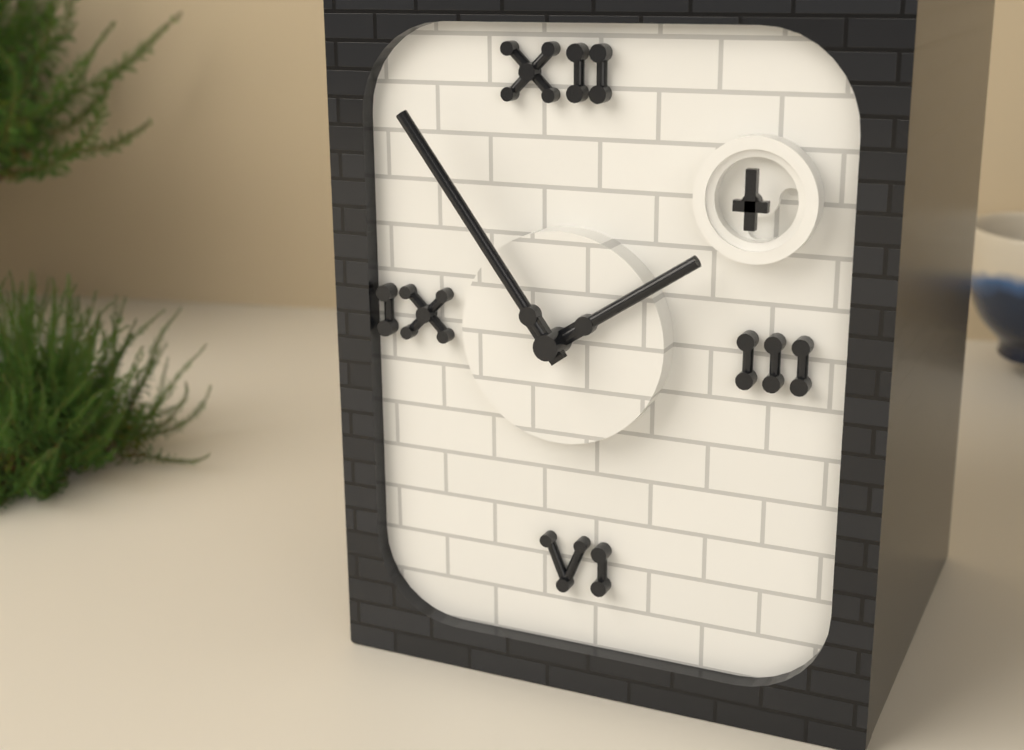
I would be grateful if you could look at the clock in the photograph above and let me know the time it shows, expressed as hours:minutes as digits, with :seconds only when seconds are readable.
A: 1:54
